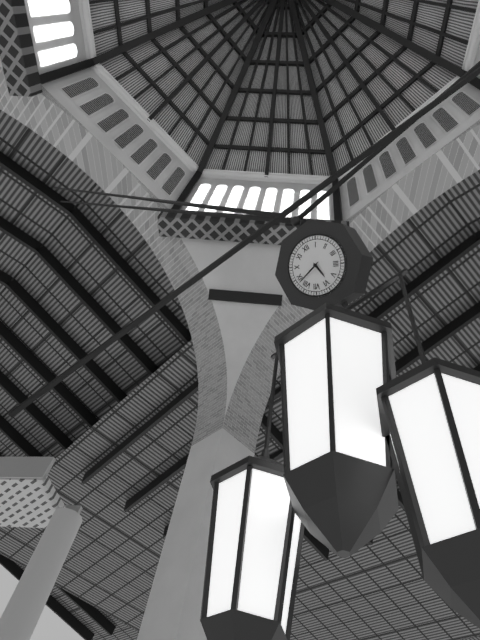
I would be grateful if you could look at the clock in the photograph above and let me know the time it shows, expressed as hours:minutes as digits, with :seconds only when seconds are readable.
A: 5:43
